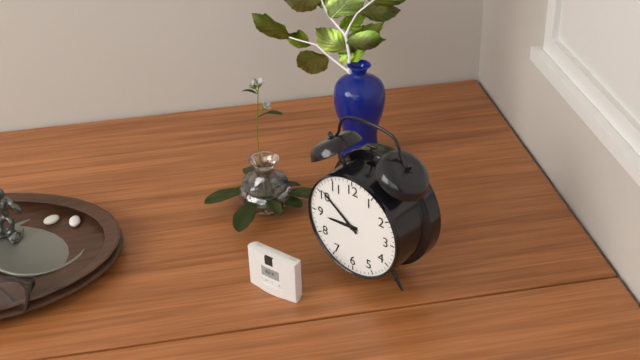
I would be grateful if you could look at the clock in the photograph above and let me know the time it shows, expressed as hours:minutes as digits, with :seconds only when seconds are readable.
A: 8:51
